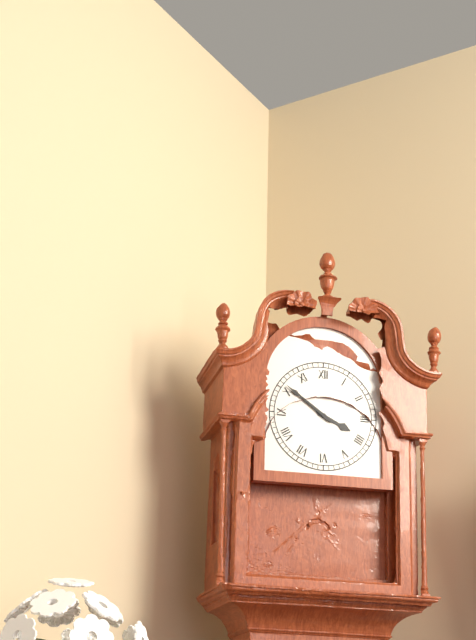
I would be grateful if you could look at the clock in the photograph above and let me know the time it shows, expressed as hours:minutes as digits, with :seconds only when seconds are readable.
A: 3:51
